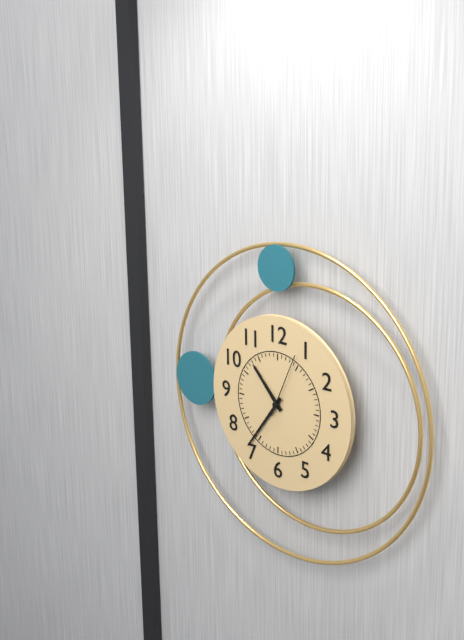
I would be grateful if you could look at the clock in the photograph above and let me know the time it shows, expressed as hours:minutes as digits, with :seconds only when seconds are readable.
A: 10:36:04
